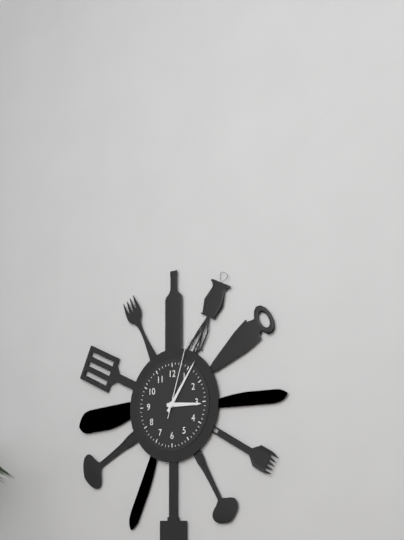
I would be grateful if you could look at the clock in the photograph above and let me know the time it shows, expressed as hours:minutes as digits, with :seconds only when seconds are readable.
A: 3:06:03
